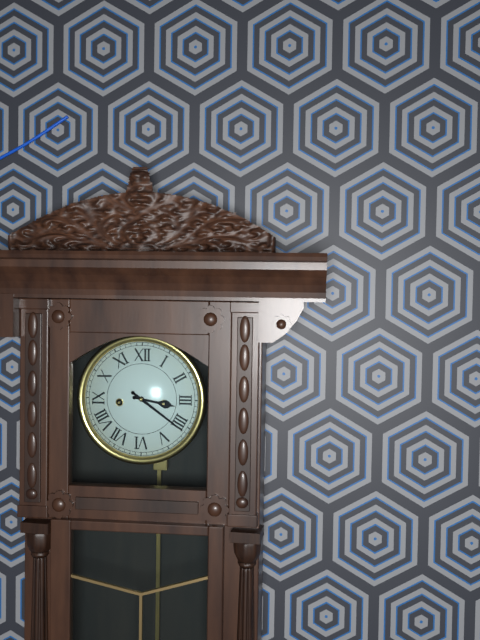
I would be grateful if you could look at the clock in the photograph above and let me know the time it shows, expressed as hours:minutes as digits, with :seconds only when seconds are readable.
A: 3:21
